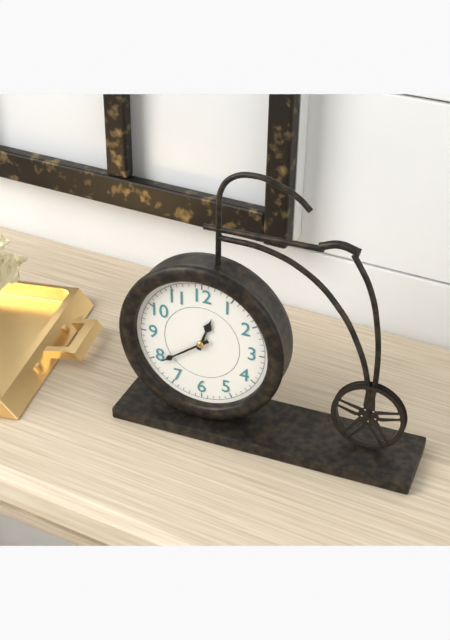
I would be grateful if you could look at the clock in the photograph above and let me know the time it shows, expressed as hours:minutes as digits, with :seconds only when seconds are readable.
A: 12:39
